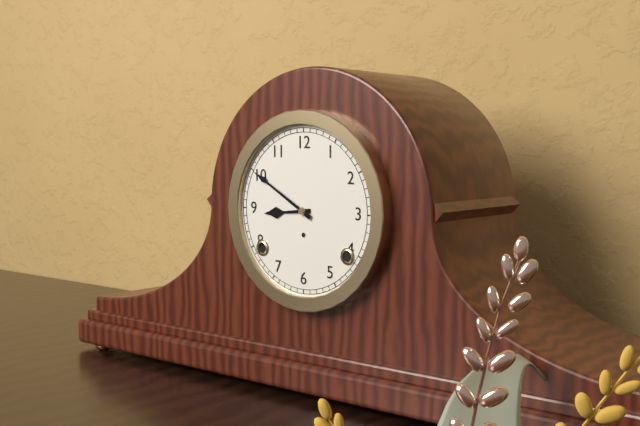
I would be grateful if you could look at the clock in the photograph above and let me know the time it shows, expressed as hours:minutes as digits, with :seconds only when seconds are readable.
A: 8:50
